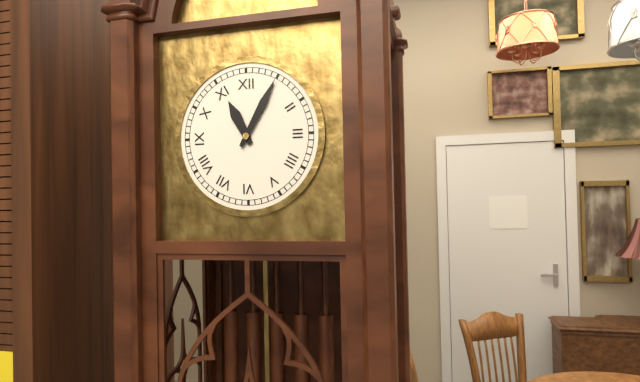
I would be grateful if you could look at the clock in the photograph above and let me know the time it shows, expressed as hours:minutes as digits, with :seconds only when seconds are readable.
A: 11:05
